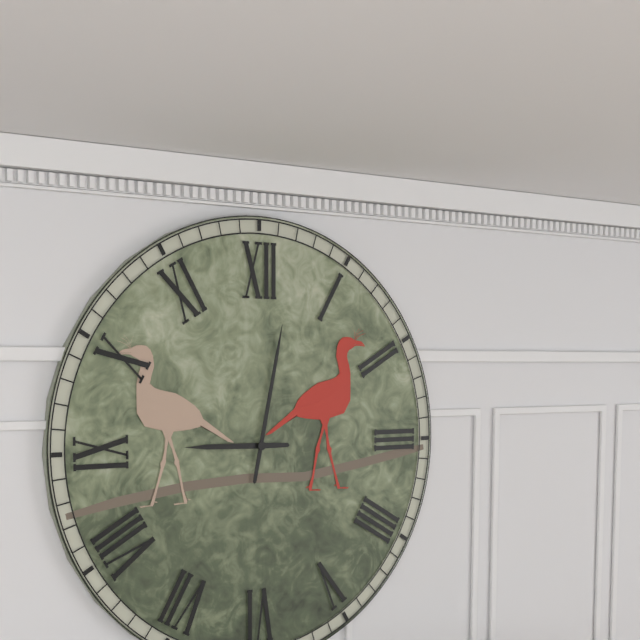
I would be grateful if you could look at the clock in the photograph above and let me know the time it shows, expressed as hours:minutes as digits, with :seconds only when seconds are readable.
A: 9:02
